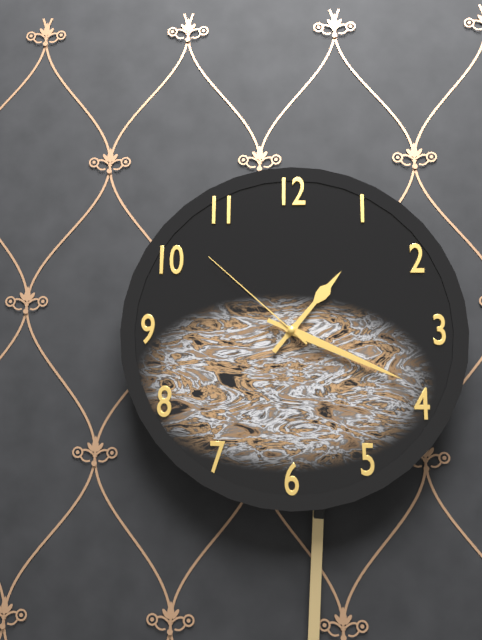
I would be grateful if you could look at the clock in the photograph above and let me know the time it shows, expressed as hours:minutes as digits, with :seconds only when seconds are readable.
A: 1:19:52
